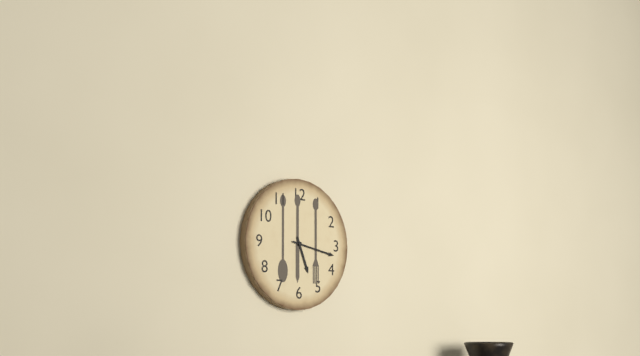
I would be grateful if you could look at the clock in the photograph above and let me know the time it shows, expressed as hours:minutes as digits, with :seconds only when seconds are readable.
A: 5:17
